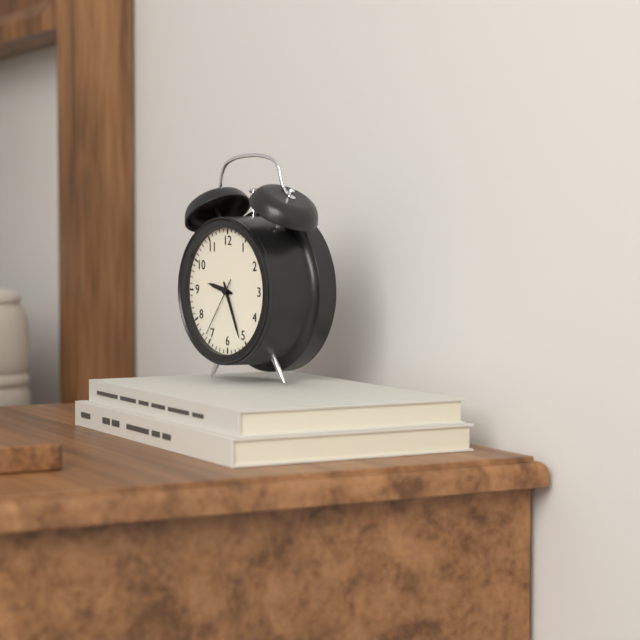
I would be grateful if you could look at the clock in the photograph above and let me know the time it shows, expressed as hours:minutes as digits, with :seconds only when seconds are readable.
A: 9:26:36
